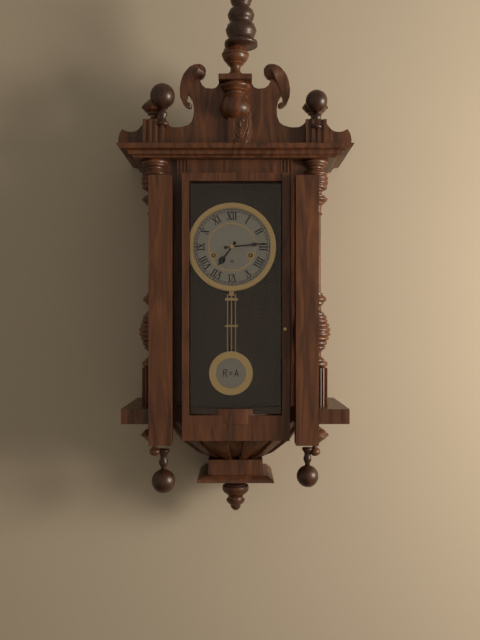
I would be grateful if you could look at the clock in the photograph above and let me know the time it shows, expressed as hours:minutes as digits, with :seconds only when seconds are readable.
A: 7:14
